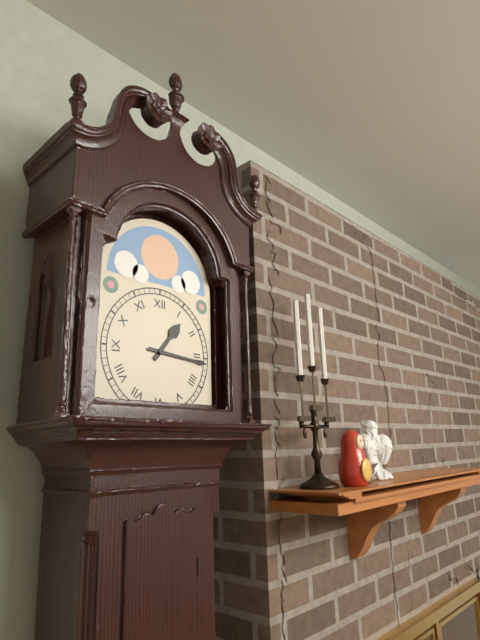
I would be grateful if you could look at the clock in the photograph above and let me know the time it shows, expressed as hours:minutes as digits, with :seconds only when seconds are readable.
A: 1:16
